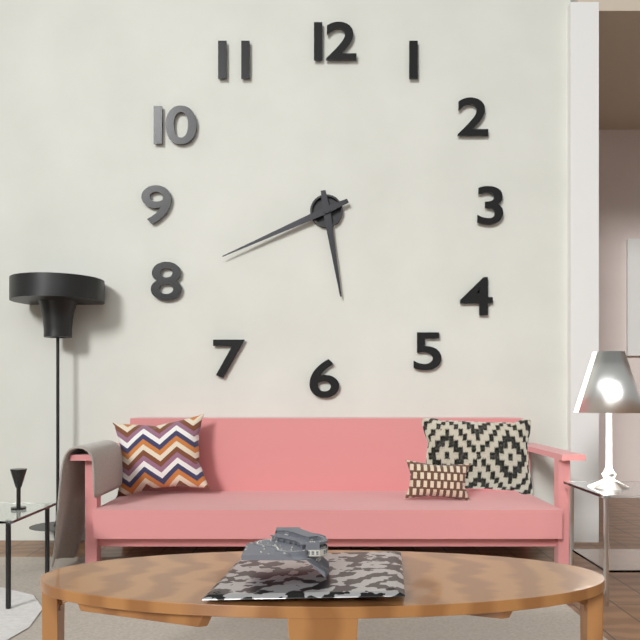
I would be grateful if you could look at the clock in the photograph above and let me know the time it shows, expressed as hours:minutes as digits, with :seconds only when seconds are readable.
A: 5:41
